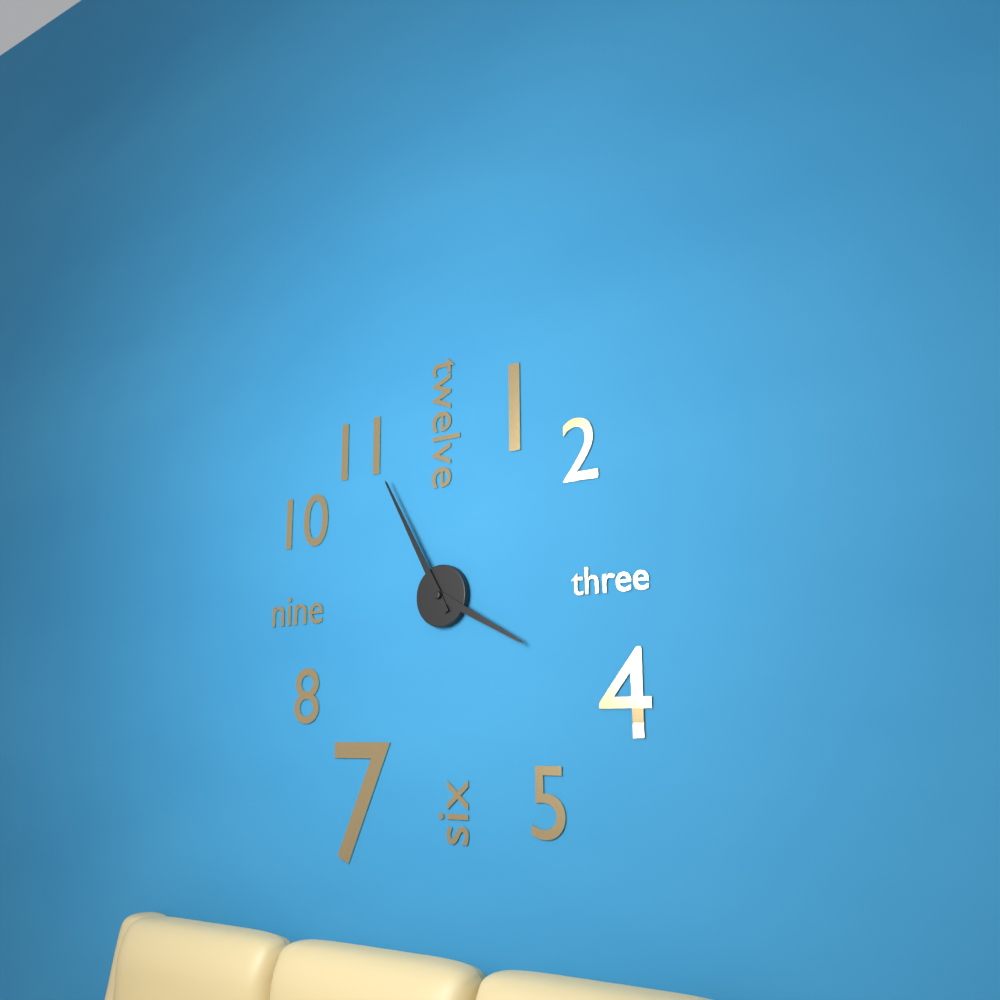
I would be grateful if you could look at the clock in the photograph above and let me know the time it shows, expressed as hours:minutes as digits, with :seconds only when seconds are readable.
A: 3:55
